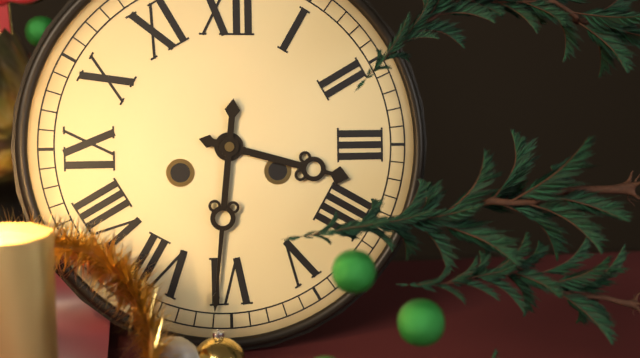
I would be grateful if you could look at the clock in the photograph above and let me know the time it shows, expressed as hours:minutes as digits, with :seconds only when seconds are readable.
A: 3:31
